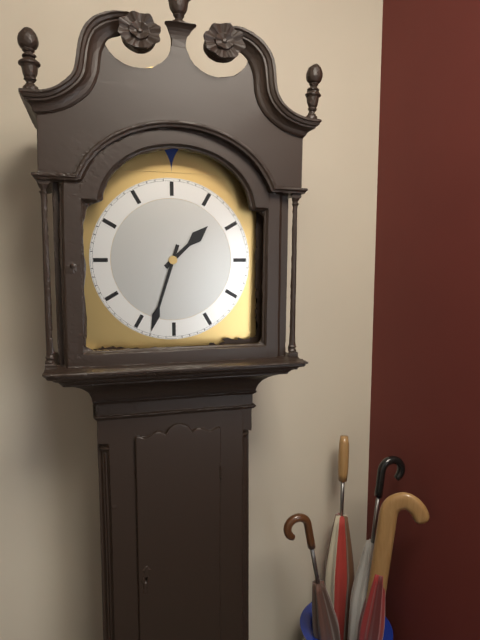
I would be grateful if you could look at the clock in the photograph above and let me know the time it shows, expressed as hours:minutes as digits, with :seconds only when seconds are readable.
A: 1:33
